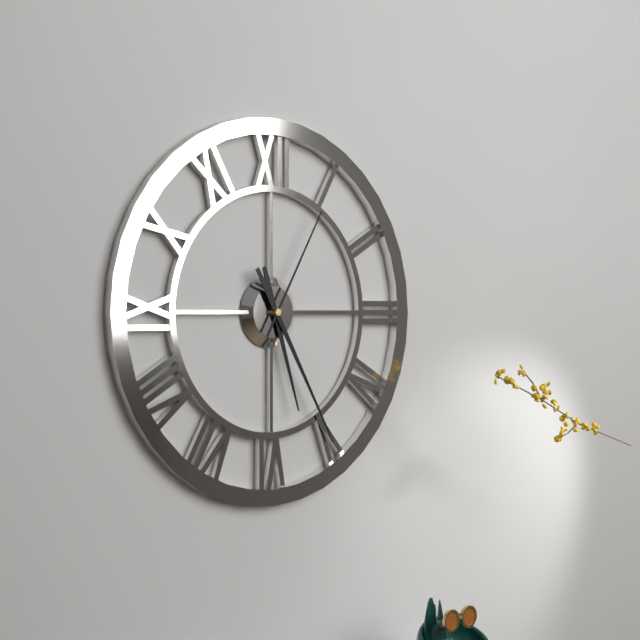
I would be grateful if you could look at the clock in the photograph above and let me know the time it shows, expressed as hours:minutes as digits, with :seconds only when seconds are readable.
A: 5:25:05
